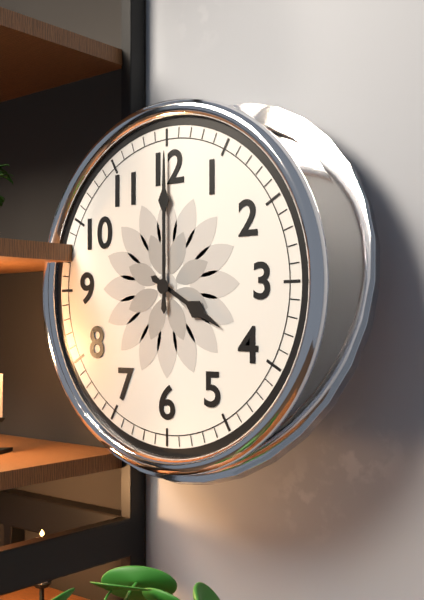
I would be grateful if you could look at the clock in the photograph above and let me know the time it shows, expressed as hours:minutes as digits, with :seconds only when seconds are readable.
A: 4:00
